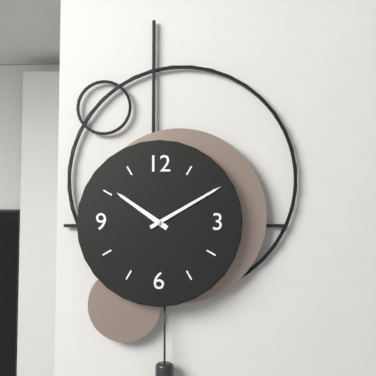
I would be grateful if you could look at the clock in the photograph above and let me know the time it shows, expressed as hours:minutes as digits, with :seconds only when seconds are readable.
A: 10:10
